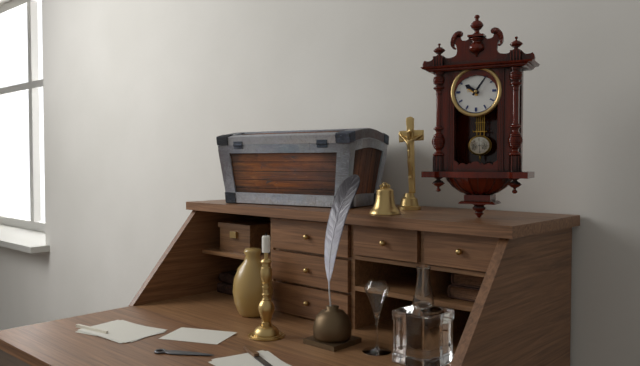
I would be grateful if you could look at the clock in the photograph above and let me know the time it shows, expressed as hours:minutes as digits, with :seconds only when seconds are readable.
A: 10:06
